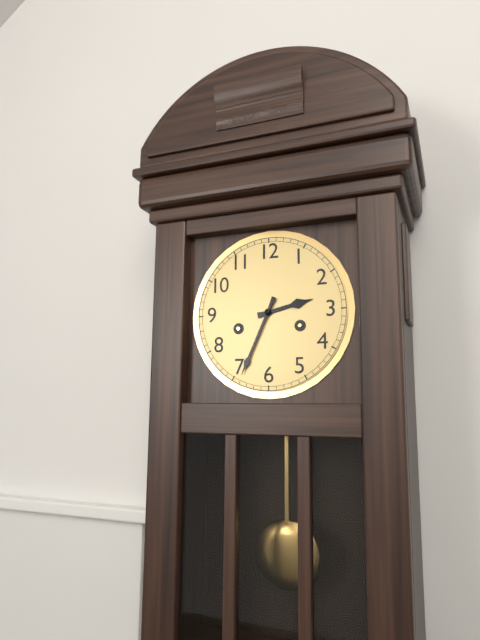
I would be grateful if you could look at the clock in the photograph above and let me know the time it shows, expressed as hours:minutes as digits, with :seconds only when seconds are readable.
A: 2:34
